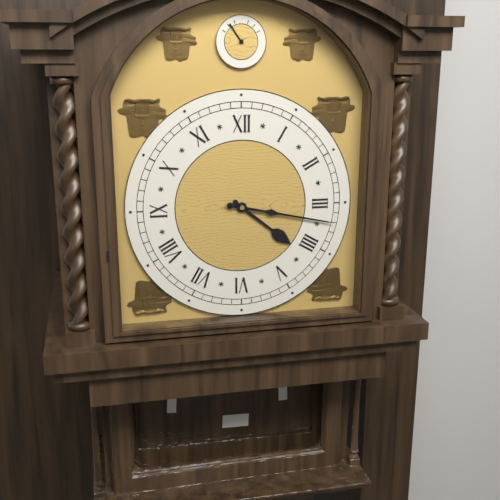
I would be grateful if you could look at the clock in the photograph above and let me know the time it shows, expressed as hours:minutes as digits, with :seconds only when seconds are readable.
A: 4:17
